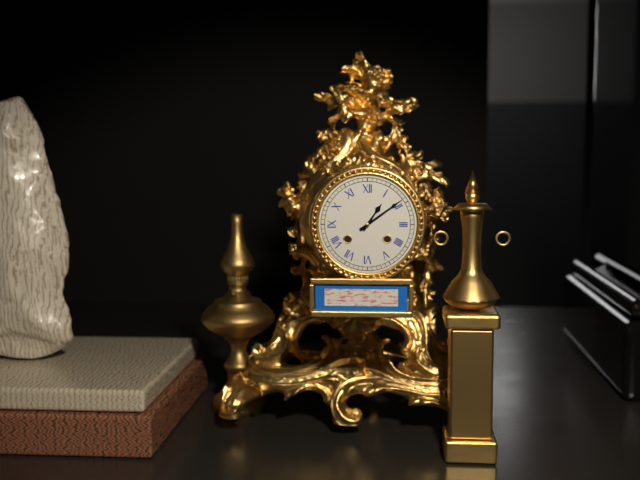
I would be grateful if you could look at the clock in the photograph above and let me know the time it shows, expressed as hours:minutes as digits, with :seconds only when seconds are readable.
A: 1:09
